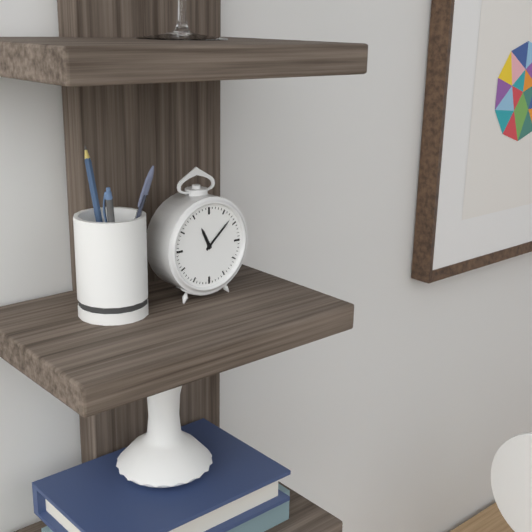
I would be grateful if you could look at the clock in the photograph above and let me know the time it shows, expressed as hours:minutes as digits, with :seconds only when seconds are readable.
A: 11:08
